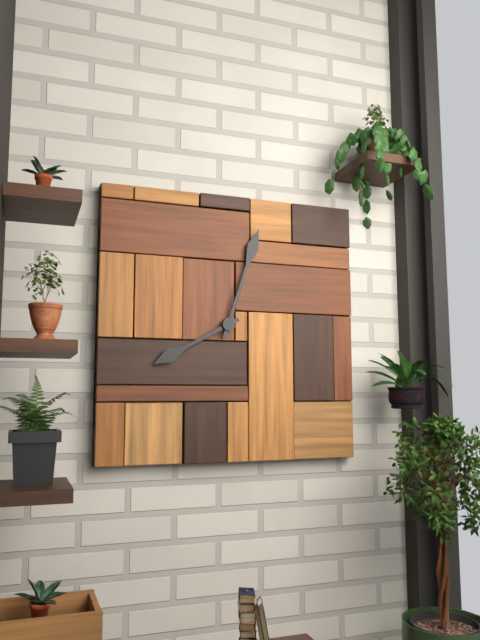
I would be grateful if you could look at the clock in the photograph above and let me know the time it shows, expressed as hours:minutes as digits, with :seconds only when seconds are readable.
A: 8:03
